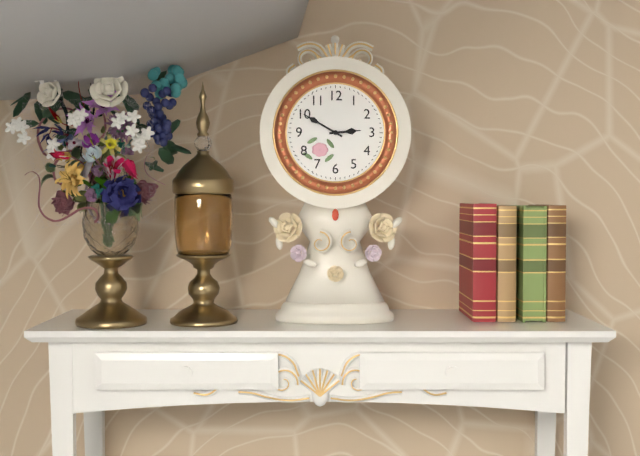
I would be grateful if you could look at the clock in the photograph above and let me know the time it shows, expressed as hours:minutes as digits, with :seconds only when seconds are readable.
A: 2:50
